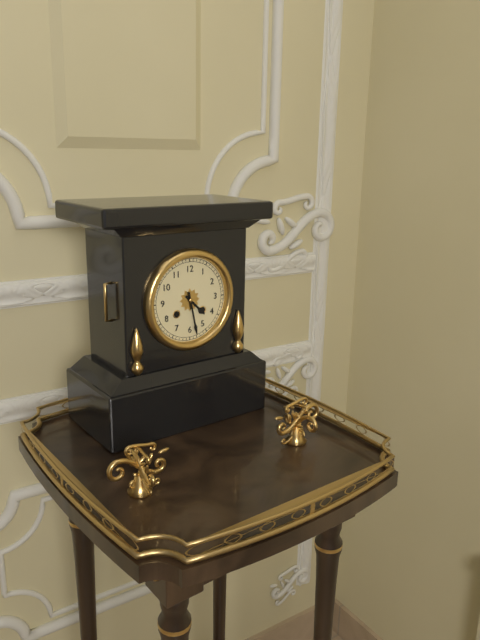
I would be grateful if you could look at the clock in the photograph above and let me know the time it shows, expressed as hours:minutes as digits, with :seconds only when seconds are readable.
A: 4:28
